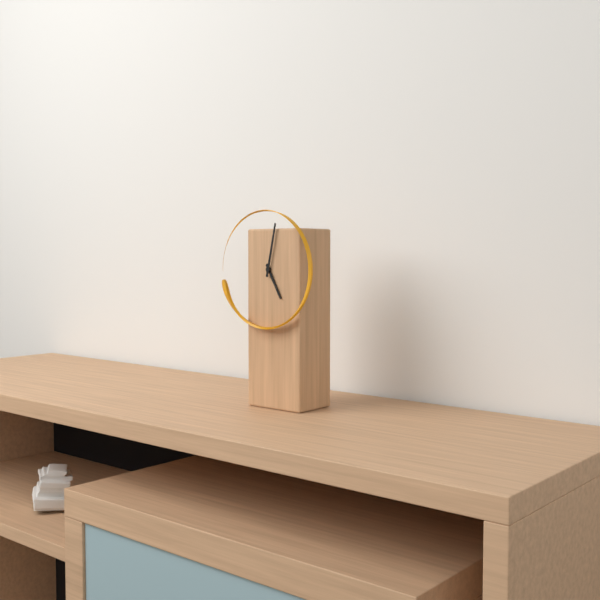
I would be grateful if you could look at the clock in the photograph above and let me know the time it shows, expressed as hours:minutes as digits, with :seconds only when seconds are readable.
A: 5:02
